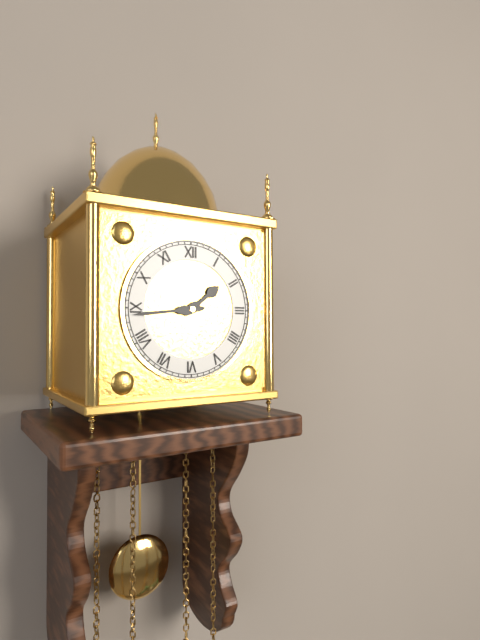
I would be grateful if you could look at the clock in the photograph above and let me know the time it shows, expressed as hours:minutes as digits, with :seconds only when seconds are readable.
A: 1:44
